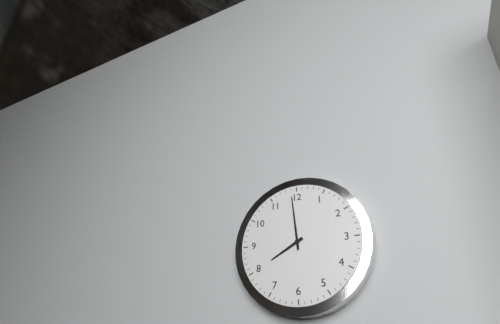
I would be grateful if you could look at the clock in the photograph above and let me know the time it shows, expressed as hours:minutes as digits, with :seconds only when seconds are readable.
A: 7:59
